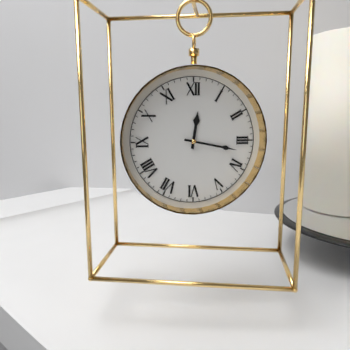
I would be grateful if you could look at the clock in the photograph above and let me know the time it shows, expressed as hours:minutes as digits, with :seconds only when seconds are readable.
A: 12:17
